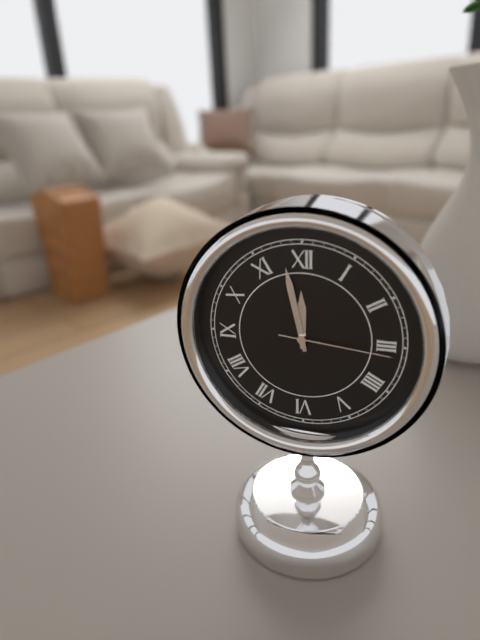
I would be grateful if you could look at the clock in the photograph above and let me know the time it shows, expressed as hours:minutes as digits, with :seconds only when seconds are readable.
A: 11:58:16
